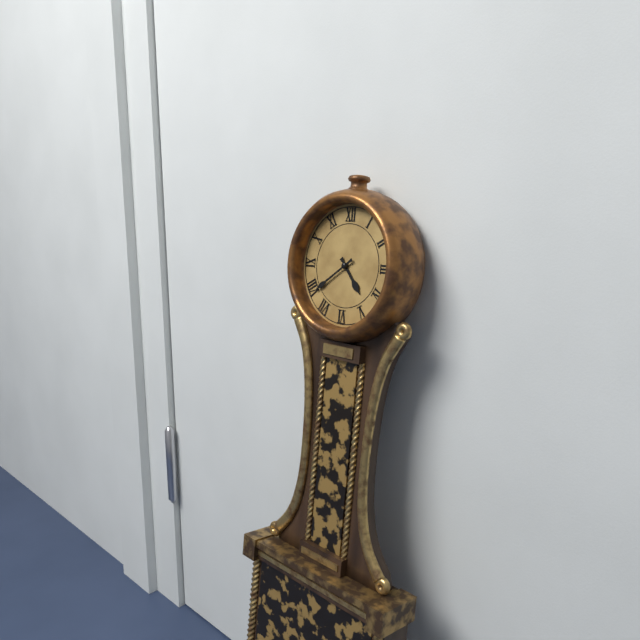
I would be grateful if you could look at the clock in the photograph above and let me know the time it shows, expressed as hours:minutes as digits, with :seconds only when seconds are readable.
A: 4:39
